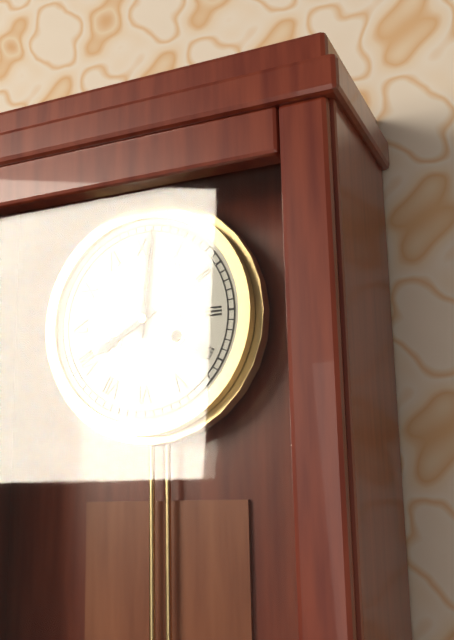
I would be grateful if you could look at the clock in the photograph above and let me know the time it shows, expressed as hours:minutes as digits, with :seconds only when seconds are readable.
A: 8:01
